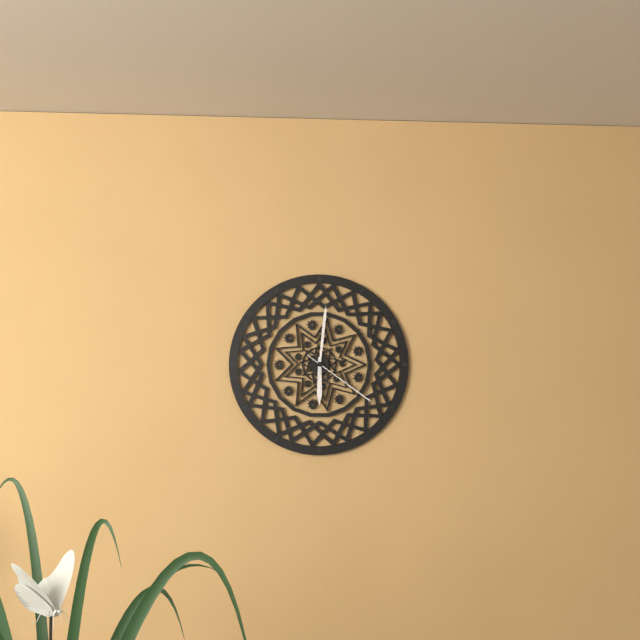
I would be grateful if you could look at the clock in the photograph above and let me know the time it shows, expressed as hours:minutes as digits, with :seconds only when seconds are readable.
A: 6:01:21
